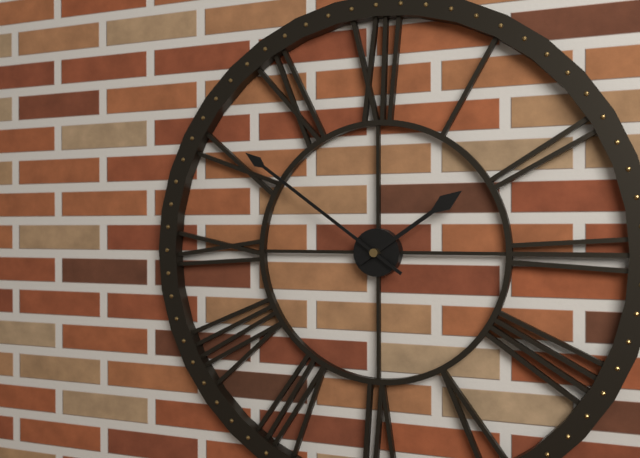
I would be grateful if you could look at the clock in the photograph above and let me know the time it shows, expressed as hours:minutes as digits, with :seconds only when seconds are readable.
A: 1:51
